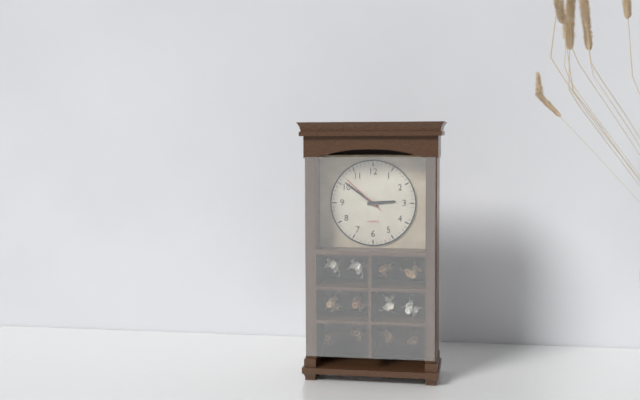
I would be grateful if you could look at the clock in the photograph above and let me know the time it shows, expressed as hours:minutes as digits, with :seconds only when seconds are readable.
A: 2:51
